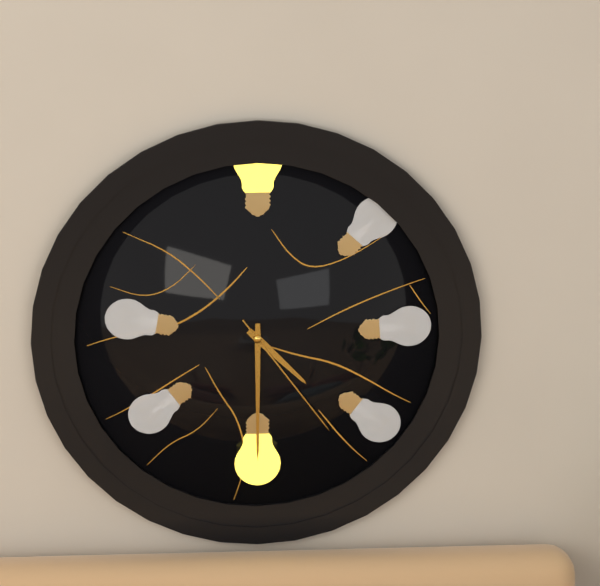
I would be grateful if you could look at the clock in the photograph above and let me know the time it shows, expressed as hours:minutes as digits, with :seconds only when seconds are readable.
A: 4:30:24
